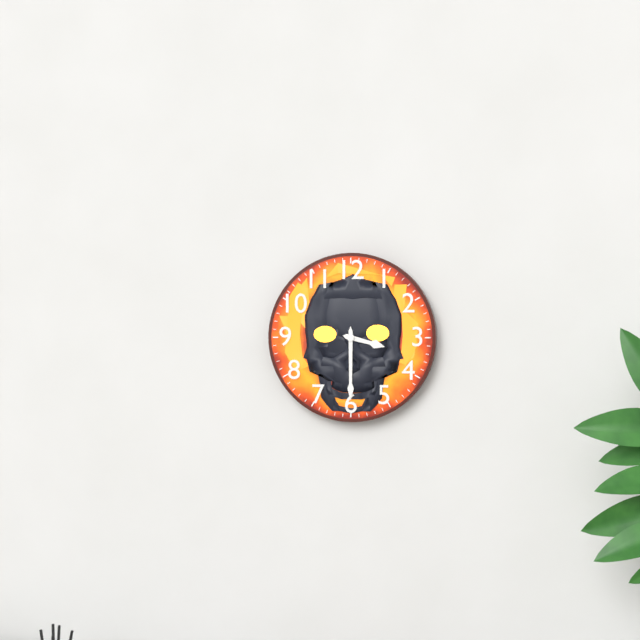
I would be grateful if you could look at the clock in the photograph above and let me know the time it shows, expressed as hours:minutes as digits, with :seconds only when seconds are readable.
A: 3:30
